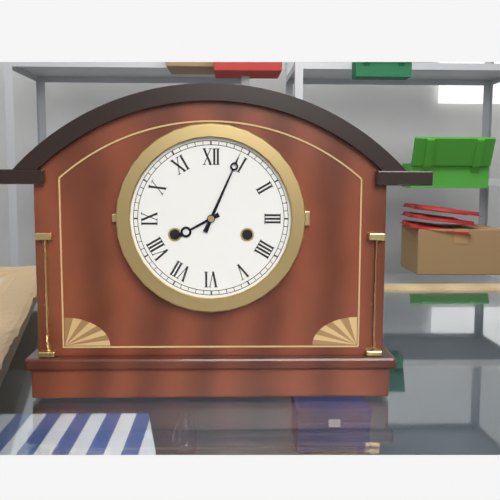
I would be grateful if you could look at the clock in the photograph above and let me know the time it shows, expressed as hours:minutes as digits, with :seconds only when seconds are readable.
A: 8:04
